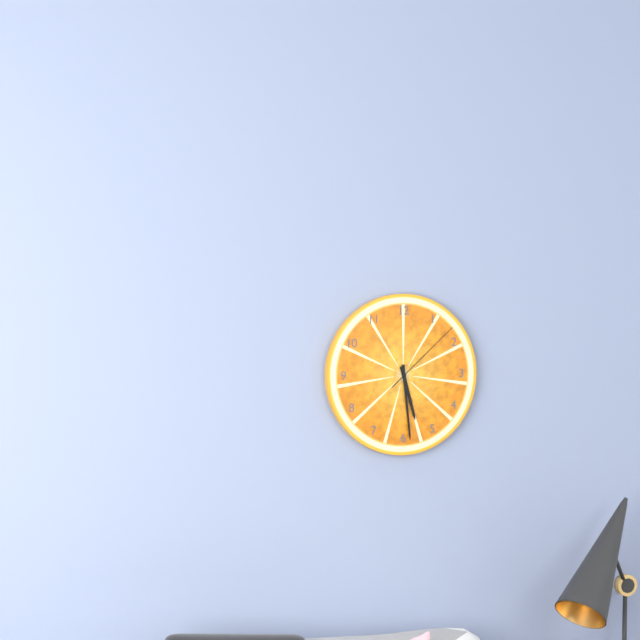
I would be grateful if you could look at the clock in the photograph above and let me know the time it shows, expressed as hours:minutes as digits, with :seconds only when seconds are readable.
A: 5:29:08
